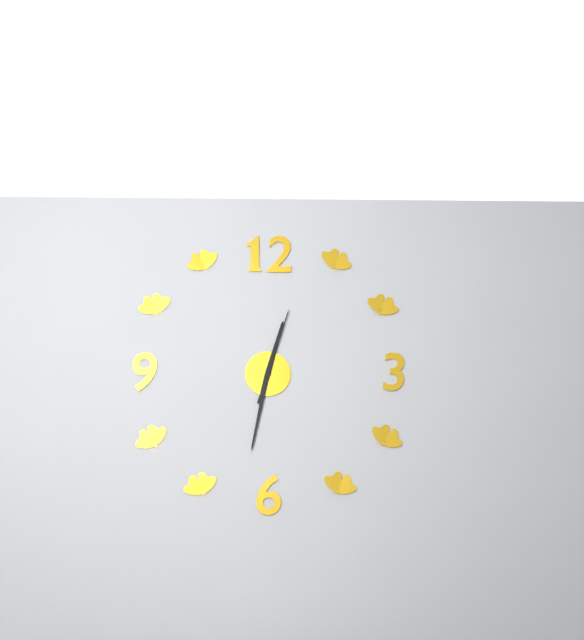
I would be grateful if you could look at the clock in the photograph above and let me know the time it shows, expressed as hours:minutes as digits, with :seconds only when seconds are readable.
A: 12:32:03
